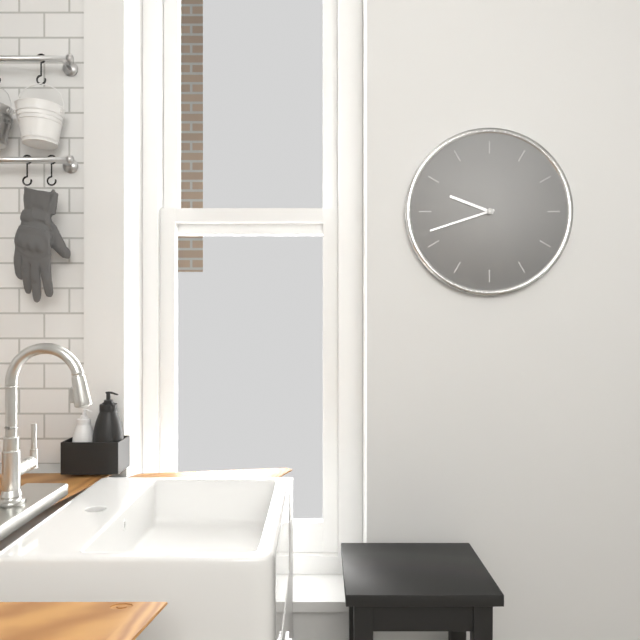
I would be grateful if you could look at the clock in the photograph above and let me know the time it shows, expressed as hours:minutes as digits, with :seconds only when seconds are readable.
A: 9:42
